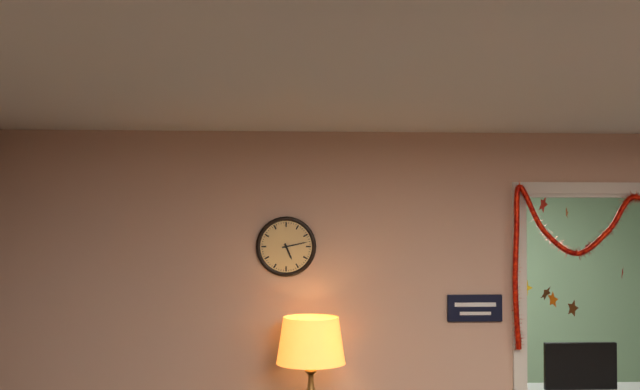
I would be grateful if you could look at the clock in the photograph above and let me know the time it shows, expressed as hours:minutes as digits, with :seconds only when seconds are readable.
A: 5:13
